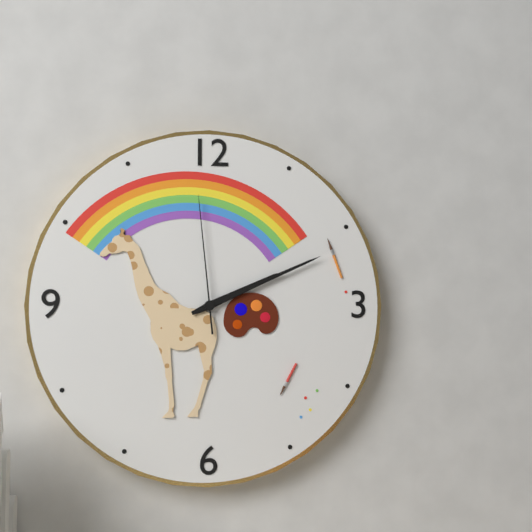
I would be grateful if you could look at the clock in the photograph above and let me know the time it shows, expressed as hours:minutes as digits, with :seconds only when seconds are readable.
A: 2:11:59
